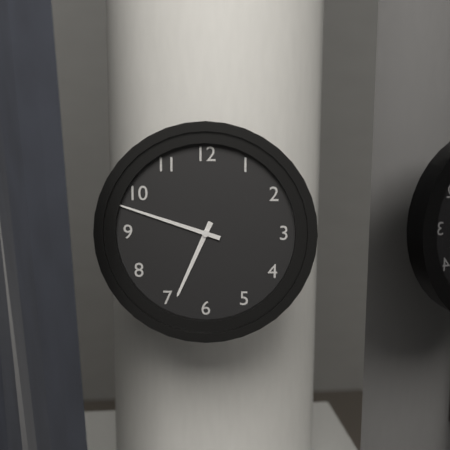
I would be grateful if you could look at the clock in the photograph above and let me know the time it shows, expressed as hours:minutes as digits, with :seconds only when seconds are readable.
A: 6:48
